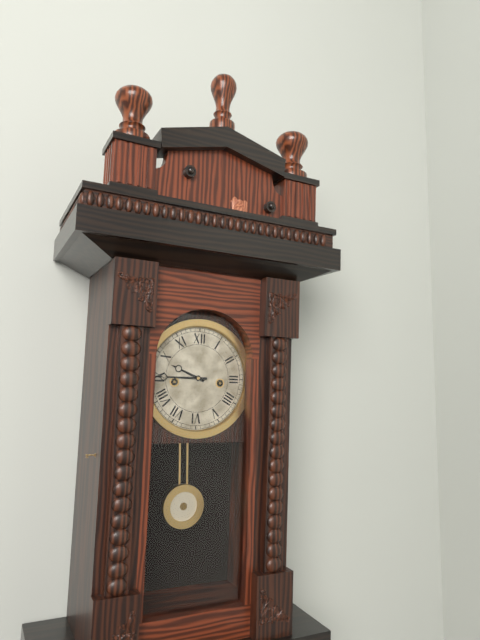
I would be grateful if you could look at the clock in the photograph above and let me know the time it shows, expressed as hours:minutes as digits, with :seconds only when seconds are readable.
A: 9:45
